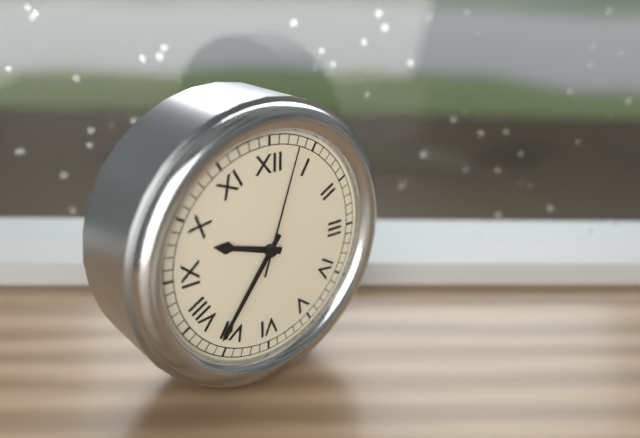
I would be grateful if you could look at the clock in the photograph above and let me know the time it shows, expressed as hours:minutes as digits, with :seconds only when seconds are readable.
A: 9:36:03
